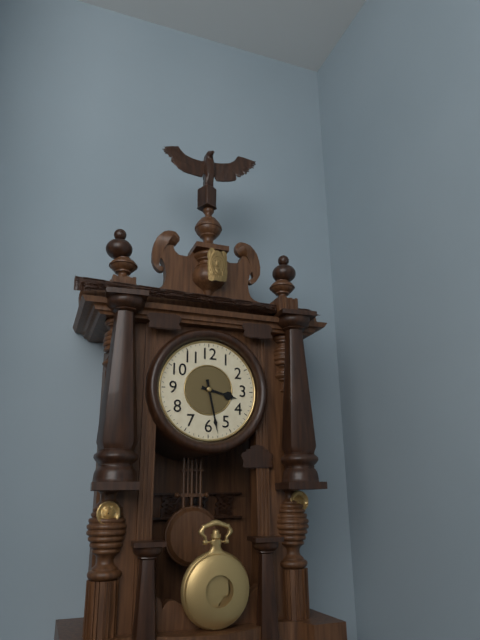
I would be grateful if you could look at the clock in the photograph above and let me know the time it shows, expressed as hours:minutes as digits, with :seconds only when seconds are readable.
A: 3:28
